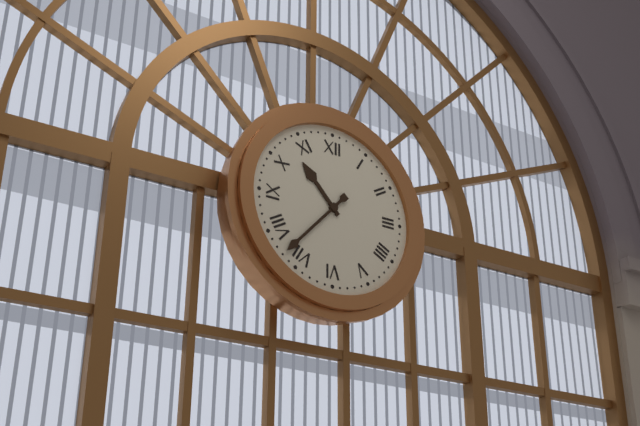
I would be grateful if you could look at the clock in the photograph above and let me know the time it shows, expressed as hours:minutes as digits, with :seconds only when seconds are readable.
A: 10:37
